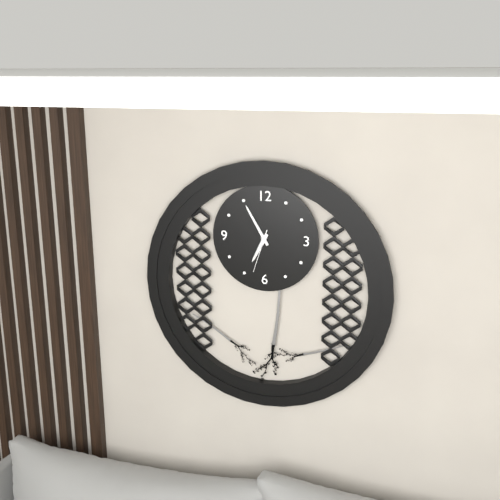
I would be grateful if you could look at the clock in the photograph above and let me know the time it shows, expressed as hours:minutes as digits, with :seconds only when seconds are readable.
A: 6:55
